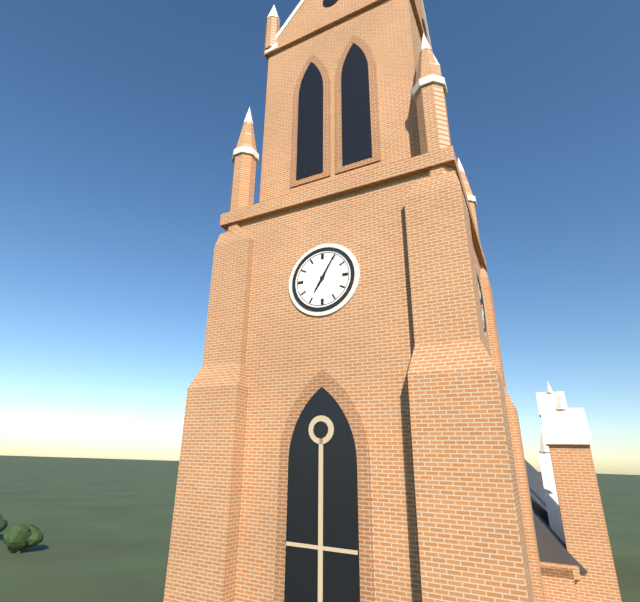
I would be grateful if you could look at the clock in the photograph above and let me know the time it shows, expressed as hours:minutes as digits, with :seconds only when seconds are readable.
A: 7:05
